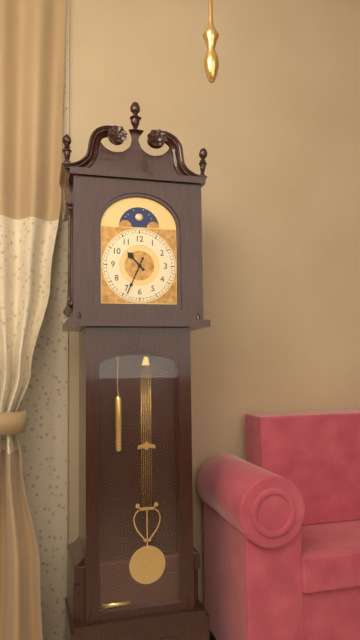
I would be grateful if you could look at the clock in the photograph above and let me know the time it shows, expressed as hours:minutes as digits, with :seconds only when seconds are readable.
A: 10:34
